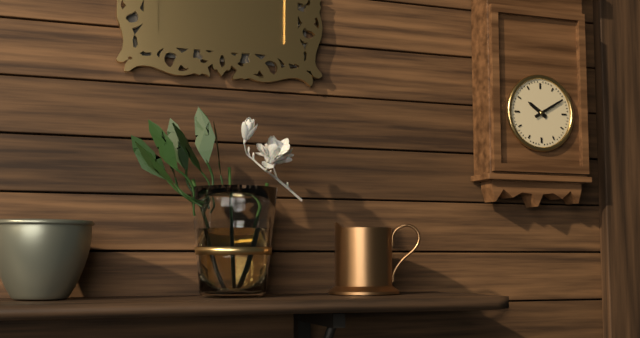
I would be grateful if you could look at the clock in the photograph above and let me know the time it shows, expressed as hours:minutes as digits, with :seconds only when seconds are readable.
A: 10:10
